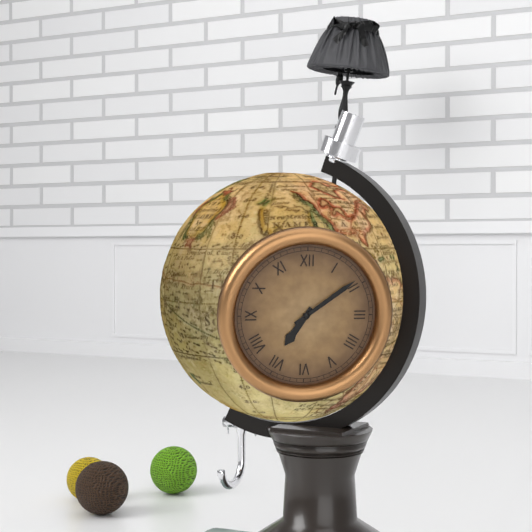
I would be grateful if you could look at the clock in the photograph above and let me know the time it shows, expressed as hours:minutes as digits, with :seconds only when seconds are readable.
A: 7:09
